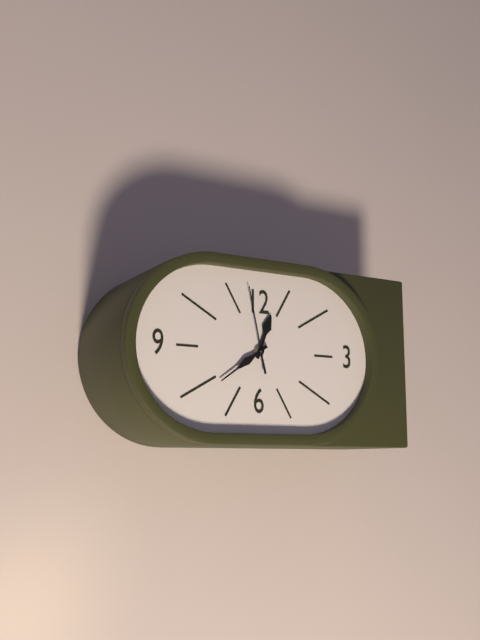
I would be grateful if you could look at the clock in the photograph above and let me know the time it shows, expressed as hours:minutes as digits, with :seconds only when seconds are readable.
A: 12:39:58
